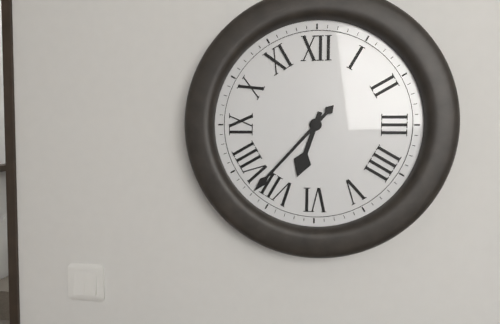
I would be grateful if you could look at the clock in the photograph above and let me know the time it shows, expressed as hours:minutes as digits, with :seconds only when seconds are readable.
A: 6:37
